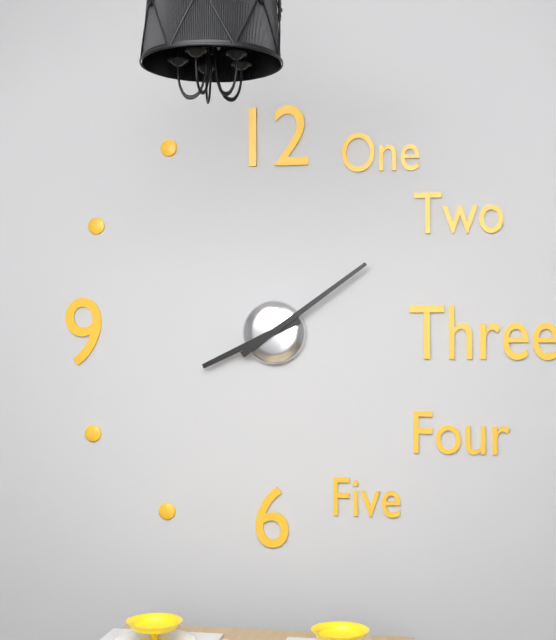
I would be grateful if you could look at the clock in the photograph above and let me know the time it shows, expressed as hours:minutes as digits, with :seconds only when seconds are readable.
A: 8:09
